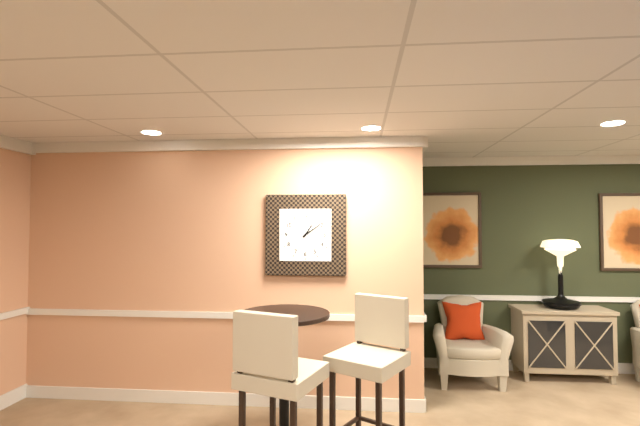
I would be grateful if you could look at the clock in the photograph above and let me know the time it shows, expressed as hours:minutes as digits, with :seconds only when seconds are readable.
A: 1:09
